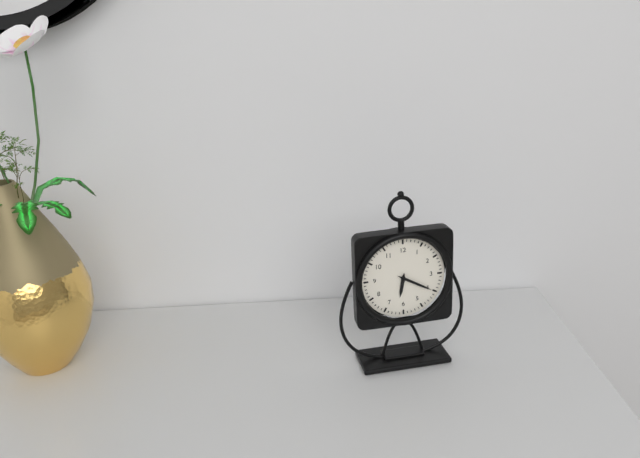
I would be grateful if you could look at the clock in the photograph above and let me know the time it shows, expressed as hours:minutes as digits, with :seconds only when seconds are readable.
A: 6:20
